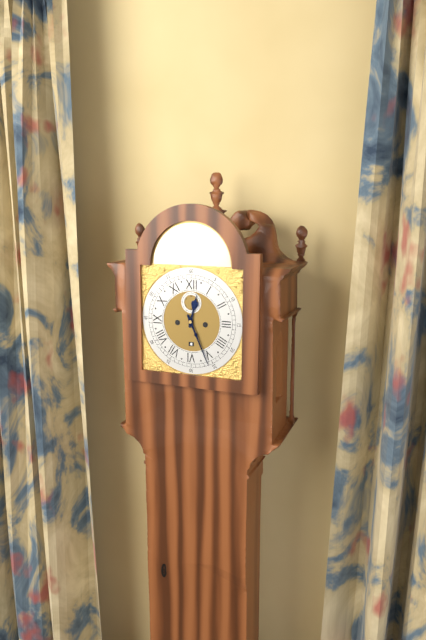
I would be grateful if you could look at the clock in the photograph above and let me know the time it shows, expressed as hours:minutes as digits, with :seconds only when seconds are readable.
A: 12:26
